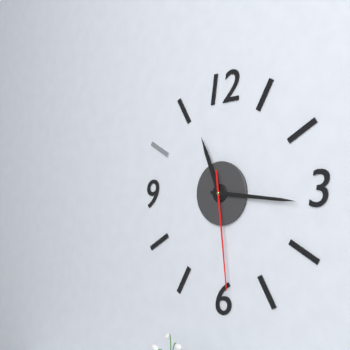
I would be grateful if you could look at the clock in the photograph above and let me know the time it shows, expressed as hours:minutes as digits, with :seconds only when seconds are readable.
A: 11:16:29
